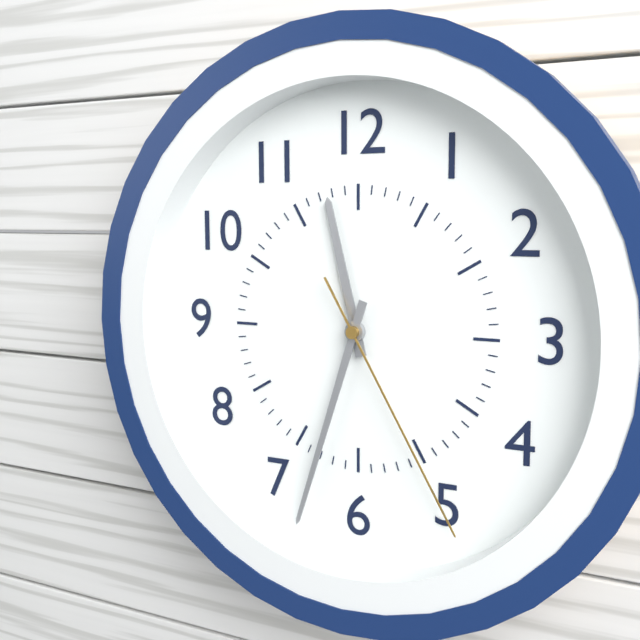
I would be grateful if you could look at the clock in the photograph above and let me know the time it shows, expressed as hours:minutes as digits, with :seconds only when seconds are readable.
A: 11:33:25
